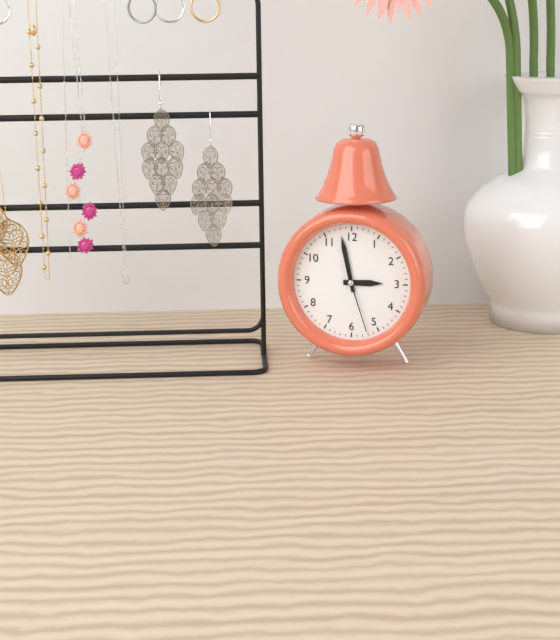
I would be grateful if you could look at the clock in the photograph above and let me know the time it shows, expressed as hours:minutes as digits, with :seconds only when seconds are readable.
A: 2:58:27
